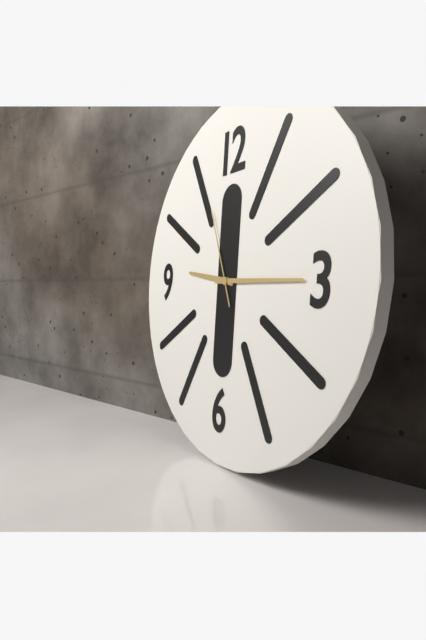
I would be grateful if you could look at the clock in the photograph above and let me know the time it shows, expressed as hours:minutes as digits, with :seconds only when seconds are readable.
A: 9:15:56
